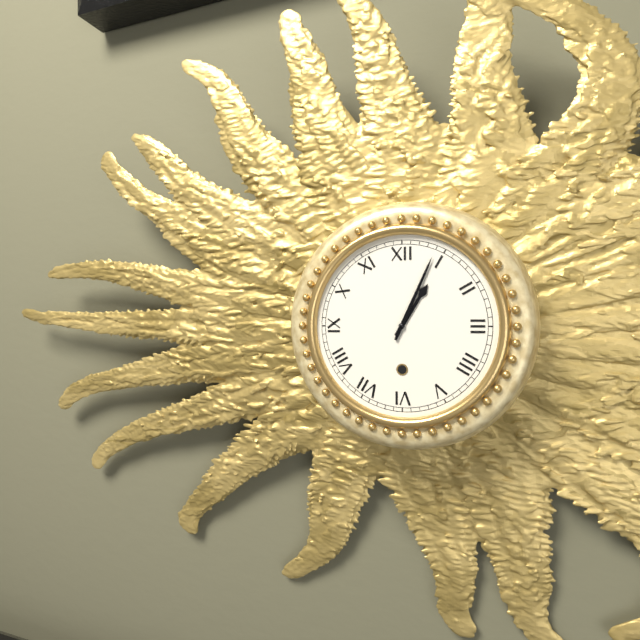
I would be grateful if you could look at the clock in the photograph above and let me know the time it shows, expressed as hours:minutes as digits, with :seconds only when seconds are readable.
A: 1:04
